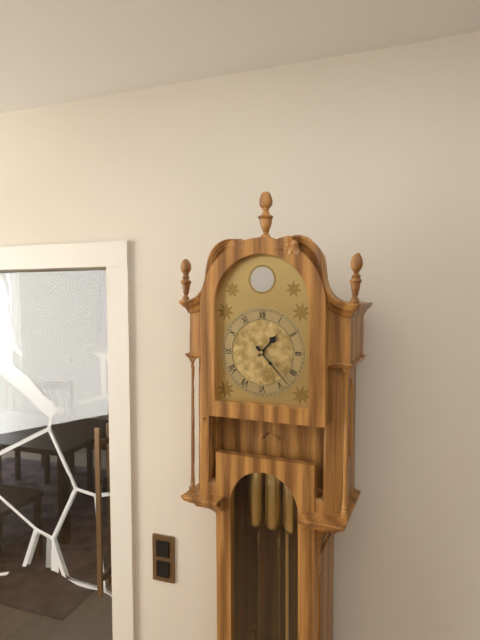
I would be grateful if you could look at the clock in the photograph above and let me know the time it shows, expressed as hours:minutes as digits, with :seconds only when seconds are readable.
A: 1:23
